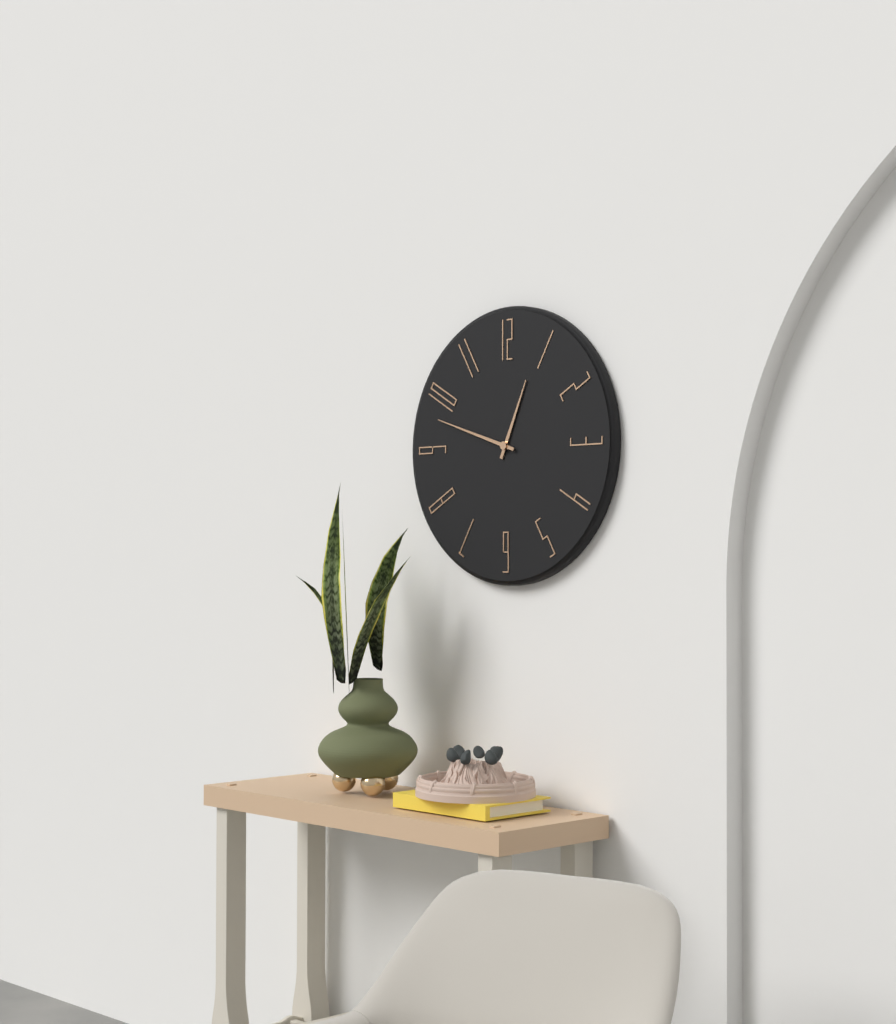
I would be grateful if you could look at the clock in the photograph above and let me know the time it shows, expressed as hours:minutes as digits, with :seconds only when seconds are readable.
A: 12:48
